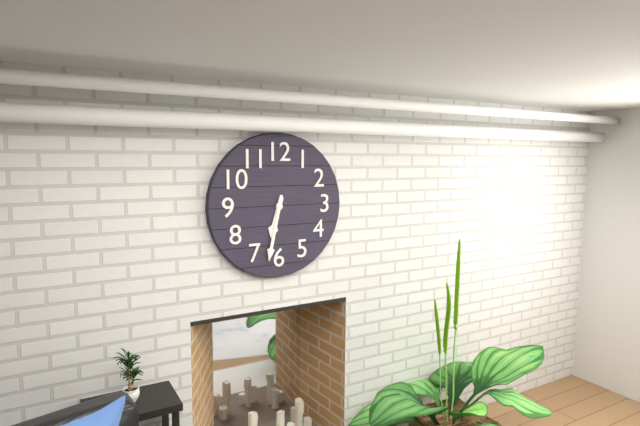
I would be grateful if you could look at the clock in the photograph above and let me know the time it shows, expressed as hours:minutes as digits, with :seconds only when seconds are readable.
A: 6:32
